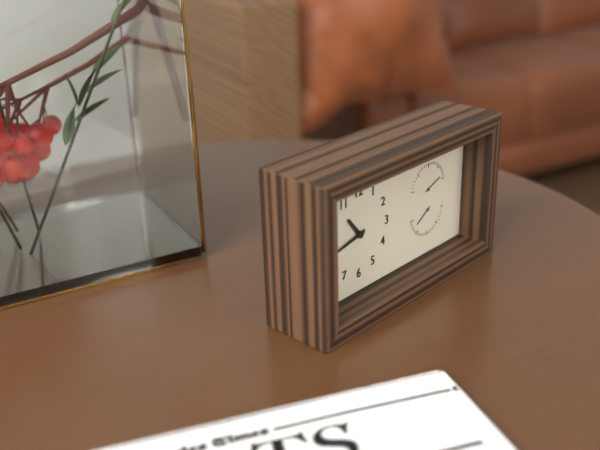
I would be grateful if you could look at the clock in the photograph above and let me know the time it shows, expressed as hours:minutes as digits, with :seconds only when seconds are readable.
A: 10:43
